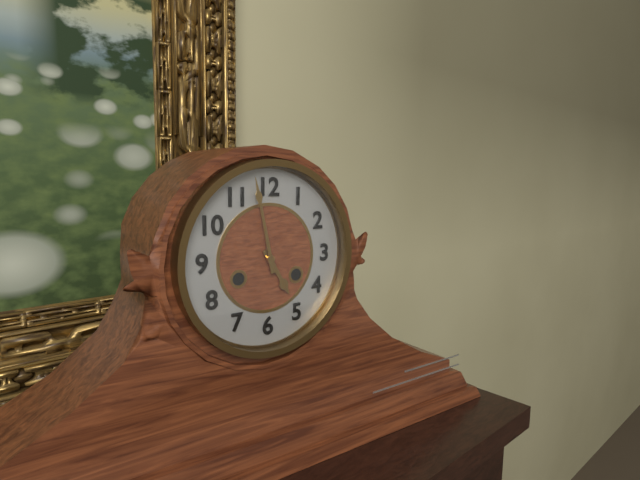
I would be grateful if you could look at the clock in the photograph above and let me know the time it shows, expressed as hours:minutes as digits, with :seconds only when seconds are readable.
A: 4:58
